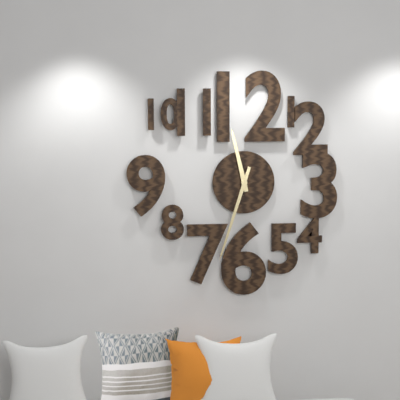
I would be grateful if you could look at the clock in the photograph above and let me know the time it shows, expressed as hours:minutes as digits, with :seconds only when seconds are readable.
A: 11:33
